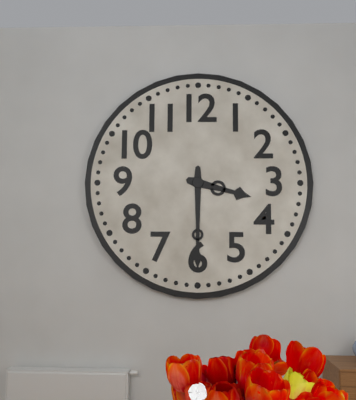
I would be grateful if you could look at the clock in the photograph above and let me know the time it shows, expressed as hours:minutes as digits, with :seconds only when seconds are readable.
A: 3:30
